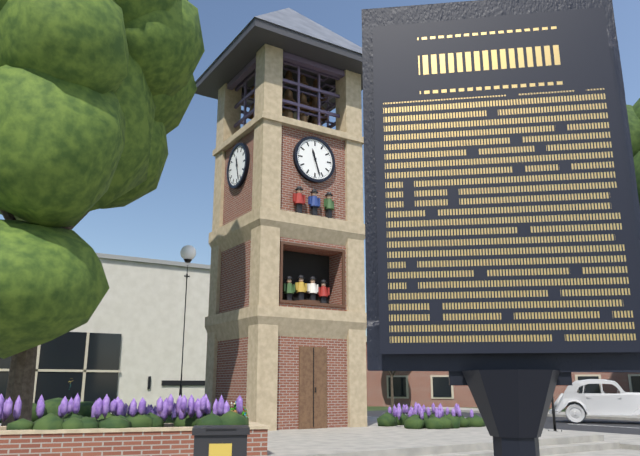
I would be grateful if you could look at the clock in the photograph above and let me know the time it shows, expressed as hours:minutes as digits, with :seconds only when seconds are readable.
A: 11:27
